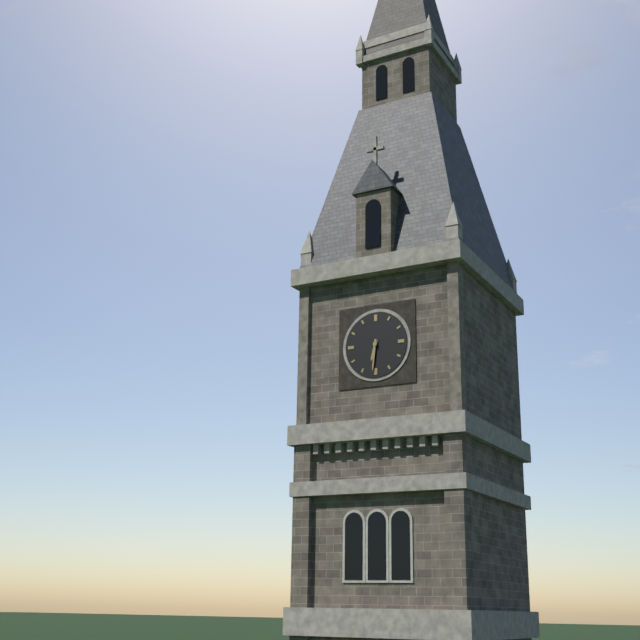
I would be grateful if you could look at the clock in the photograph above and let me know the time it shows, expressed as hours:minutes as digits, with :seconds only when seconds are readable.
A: 6:31
